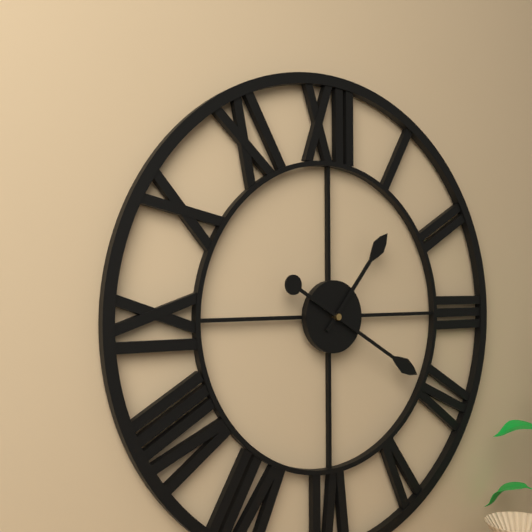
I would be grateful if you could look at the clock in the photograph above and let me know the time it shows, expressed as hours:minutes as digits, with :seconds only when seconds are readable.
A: 1:20
